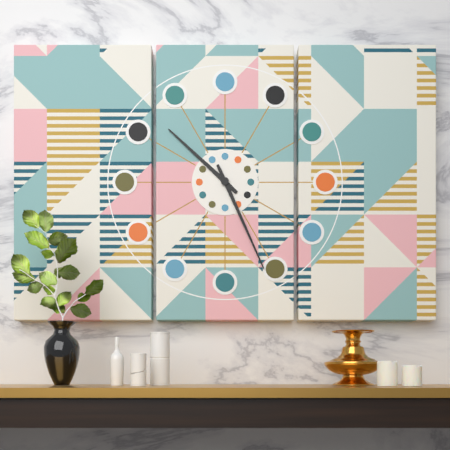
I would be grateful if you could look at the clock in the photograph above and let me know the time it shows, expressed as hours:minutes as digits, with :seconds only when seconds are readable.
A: 10:26
